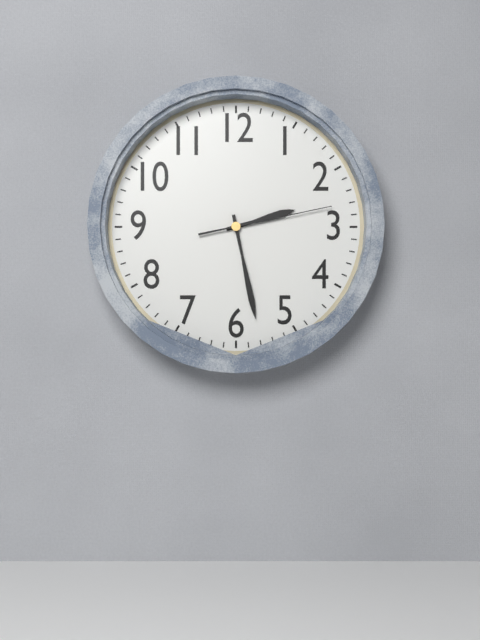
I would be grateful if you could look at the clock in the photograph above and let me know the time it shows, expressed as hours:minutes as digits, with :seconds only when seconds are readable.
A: 2:28:13
